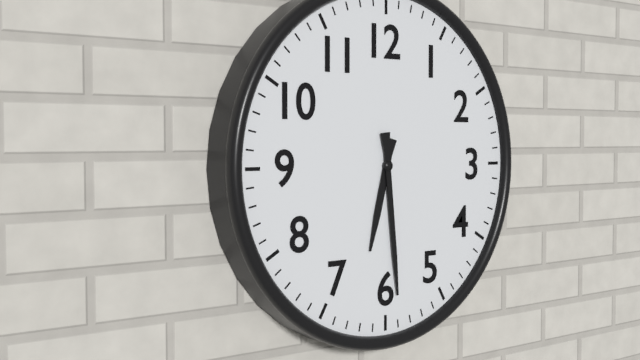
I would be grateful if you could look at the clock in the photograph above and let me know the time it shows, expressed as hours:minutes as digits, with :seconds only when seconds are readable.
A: 6:29
